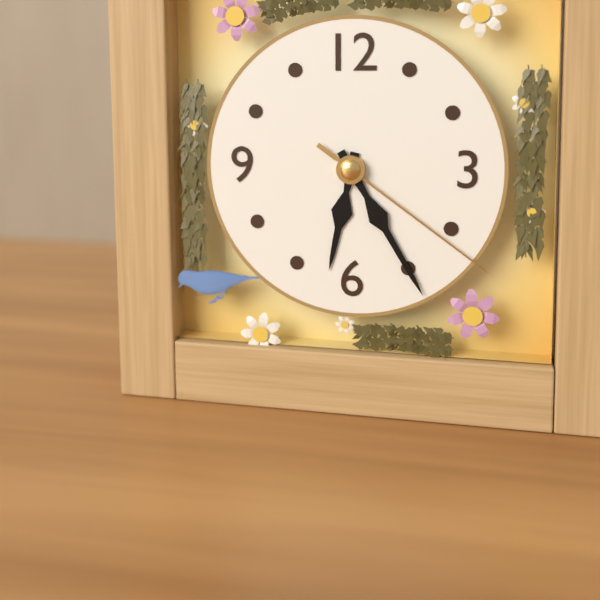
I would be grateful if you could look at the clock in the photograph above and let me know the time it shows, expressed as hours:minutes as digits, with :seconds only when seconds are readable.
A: 6:25:21
